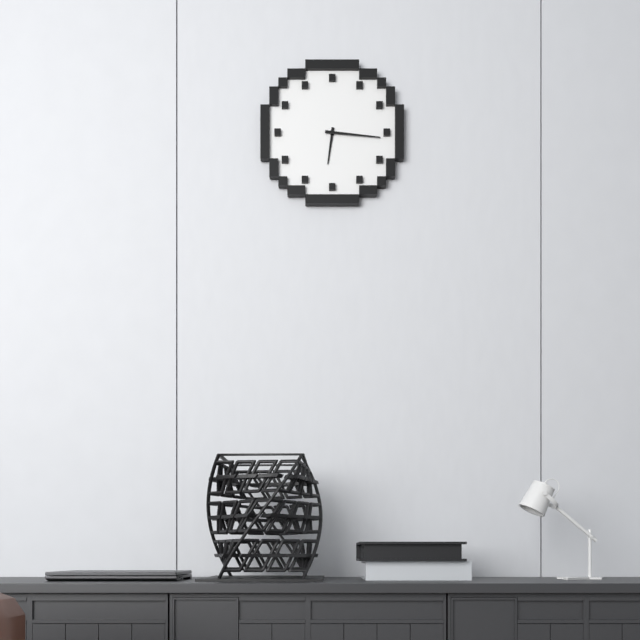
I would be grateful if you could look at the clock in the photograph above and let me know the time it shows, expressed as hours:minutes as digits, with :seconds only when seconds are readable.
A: 6:16
